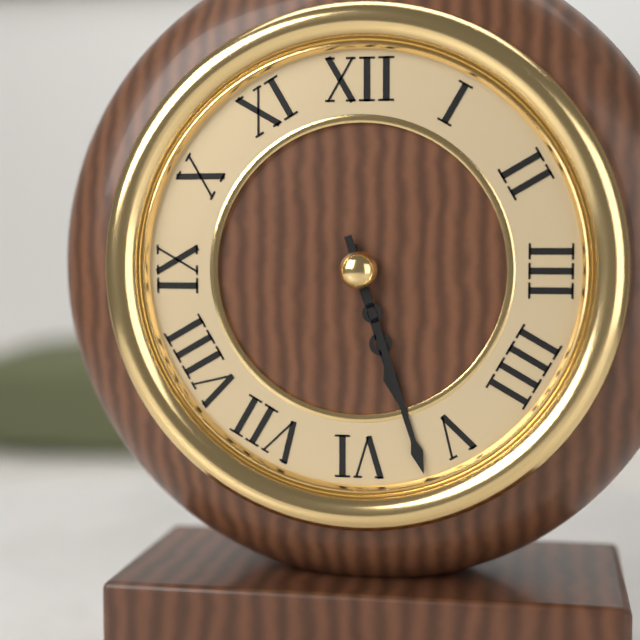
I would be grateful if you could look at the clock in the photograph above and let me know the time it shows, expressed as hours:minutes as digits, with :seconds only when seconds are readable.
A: 5:27
